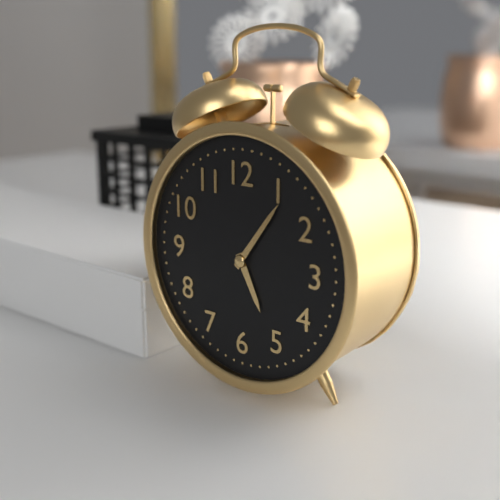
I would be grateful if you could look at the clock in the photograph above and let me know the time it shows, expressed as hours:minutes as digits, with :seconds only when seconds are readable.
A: 5:06
